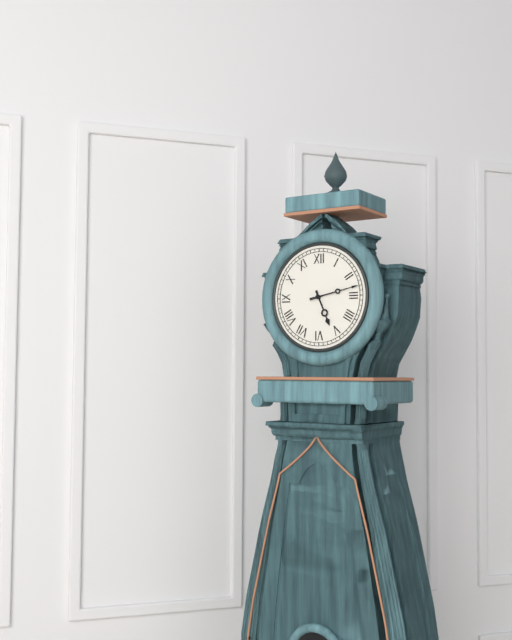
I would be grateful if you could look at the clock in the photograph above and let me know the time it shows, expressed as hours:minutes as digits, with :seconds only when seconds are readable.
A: 5:13
